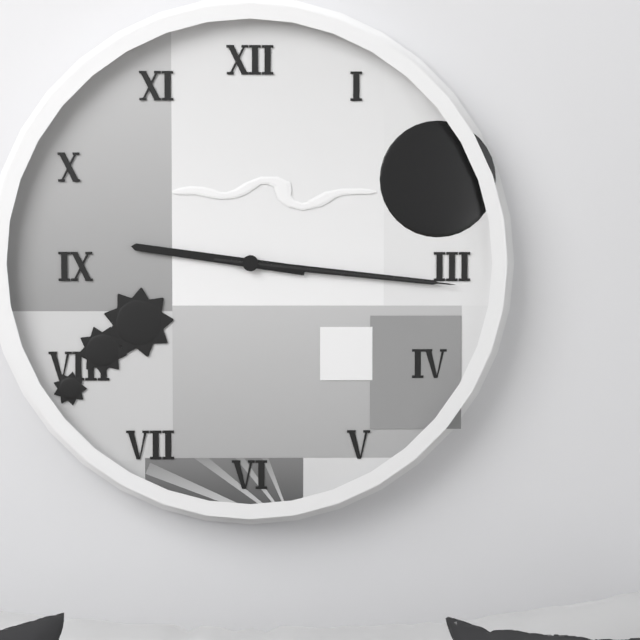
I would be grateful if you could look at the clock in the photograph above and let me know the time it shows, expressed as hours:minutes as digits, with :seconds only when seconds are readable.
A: 9:16:16
